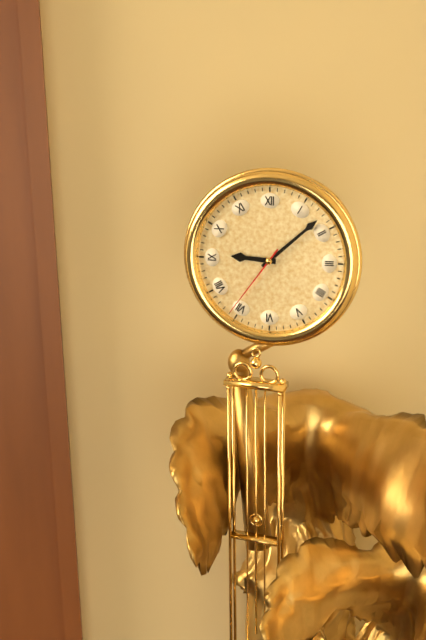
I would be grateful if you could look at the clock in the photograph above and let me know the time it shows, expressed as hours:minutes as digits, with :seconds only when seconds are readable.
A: 9:08:36
